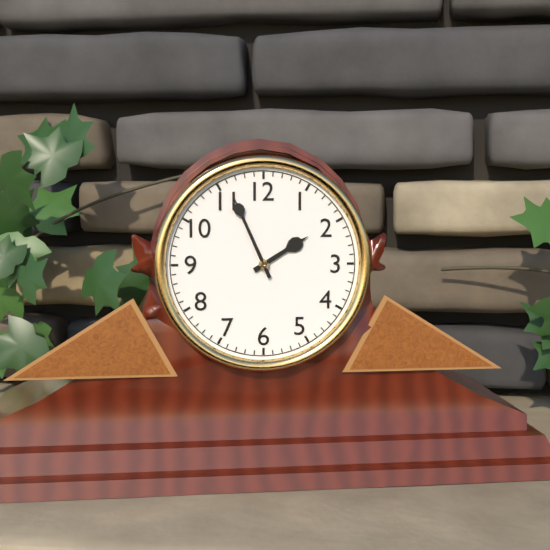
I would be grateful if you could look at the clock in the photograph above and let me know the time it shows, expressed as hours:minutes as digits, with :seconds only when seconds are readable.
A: 1:56
